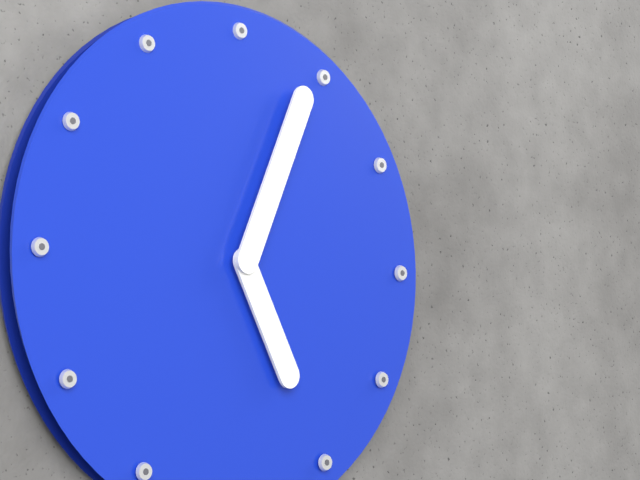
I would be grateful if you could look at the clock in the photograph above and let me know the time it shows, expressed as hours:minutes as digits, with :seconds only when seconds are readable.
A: 5:04
